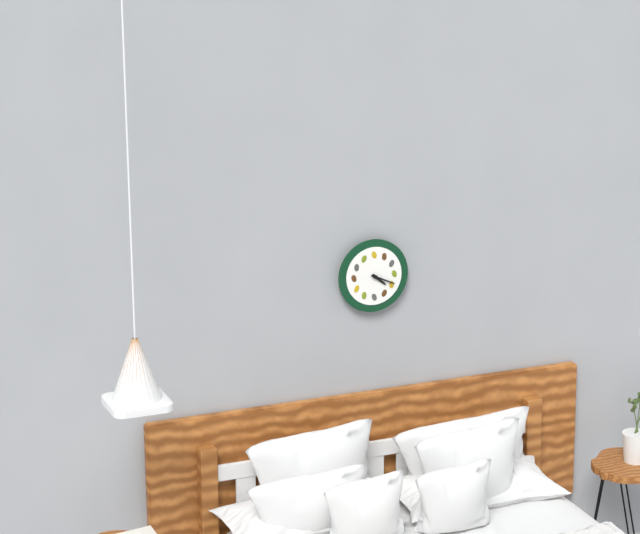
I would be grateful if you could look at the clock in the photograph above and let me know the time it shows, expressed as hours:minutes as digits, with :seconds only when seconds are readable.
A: 4:19
